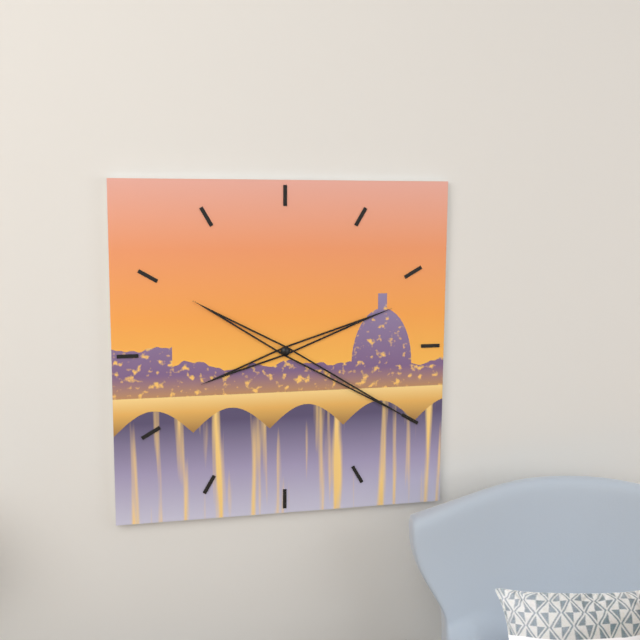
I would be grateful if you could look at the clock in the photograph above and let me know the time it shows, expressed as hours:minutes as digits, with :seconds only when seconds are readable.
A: 2:20
